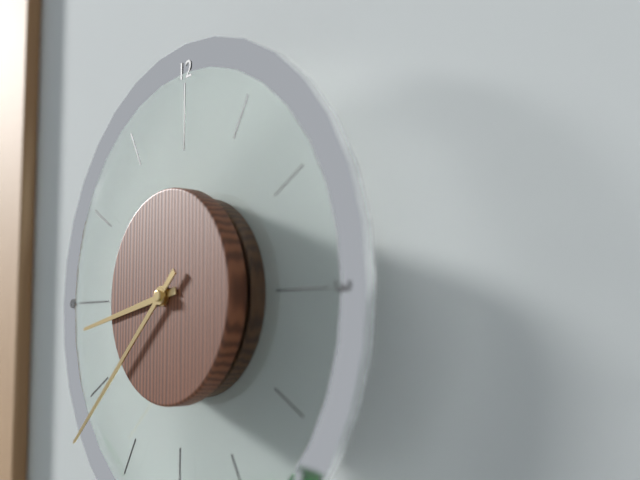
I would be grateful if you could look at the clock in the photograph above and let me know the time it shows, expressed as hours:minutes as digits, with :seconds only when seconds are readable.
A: 8:38
